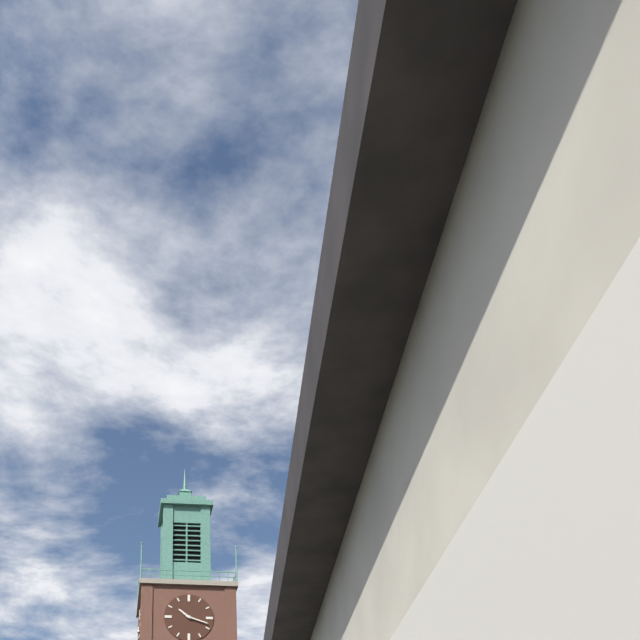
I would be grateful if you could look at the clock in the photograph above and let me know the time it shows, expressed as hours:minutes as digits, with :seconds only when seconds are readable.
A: 10:18
